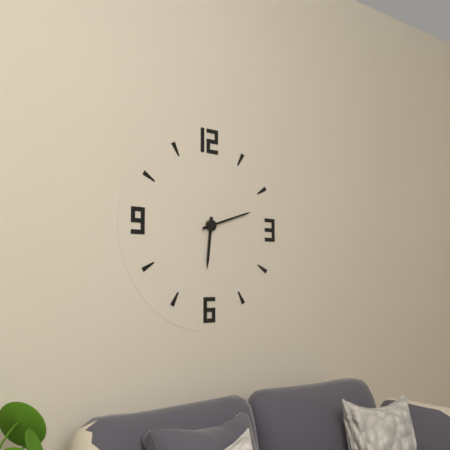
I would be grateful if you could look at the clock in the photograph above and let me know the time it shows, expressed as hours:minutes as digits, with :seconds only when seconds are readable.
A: 6:12
